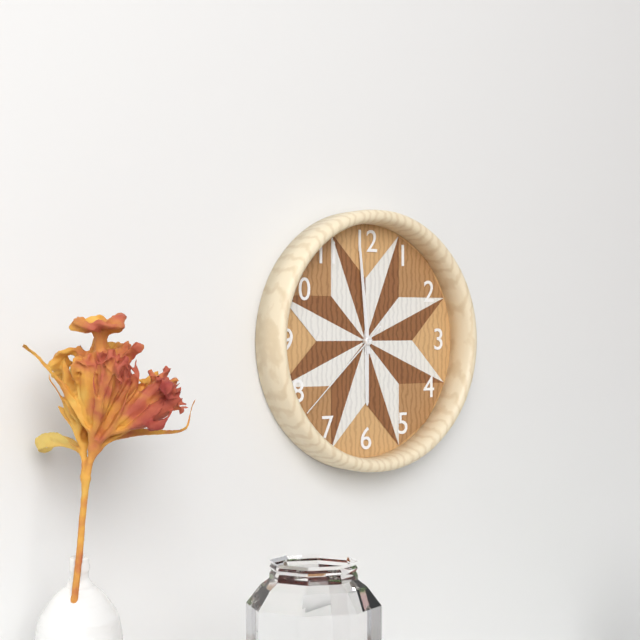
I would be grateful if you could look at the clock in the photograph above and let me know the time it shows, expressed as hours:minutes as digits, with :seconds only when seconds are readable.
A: 5:59:38
